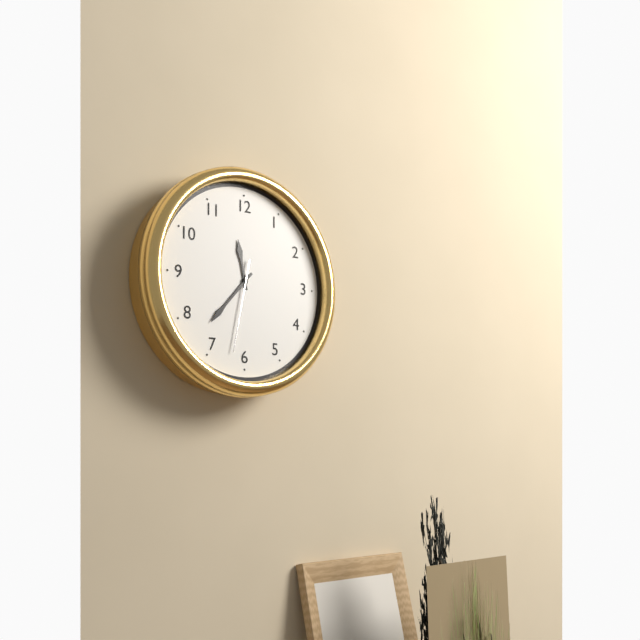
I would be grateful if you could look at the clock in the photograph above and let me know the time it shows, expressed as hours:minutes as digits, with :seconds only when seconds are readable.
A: 11:37:32
